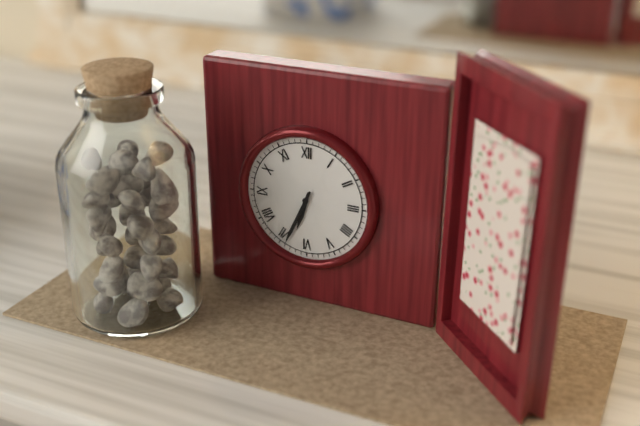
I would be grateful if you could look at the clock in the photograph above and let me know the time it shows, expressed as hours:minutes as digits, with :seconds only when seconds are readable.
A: 6:34
